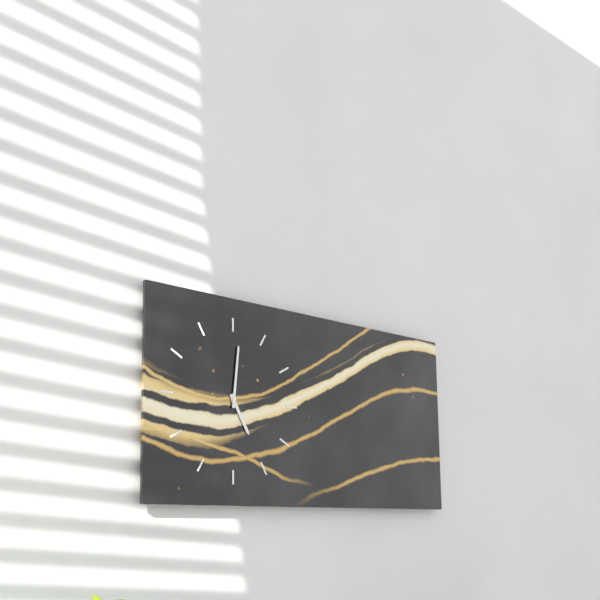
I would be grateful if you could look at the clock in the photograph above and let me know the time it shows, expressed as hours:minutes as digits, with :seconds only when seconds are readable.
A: 5:01
